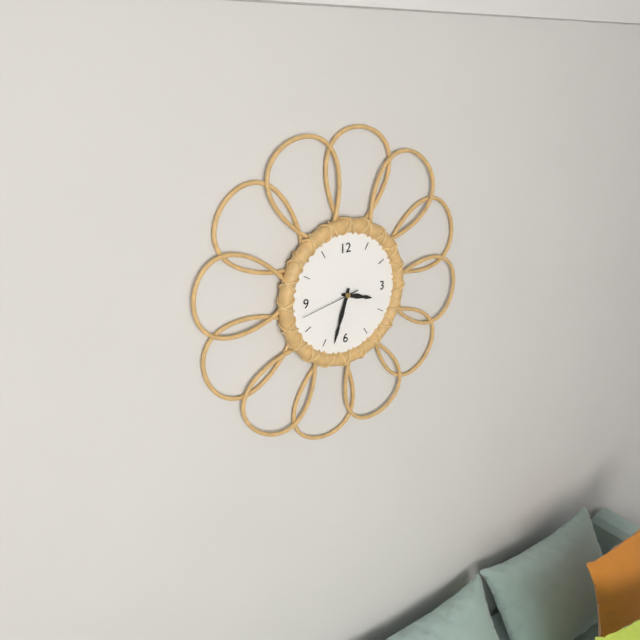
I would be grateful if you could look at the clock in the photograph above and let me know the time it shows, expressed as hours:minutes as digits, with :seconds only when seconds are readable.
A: 3:33:43
